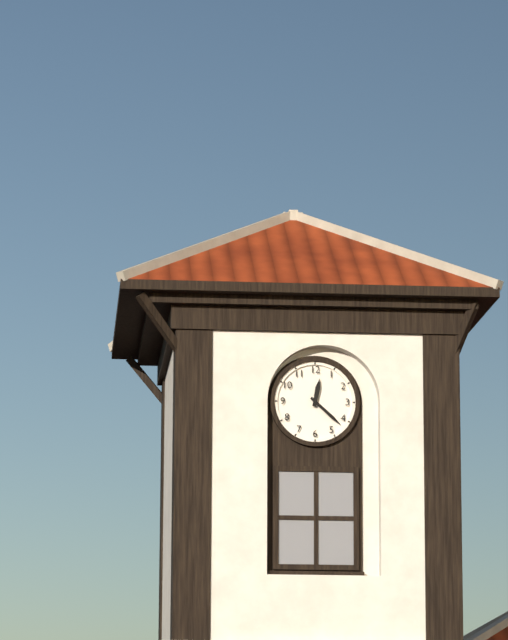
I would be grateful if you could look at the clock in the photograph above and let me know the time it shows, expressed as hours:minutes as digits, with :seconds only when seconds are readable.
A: 12:22
